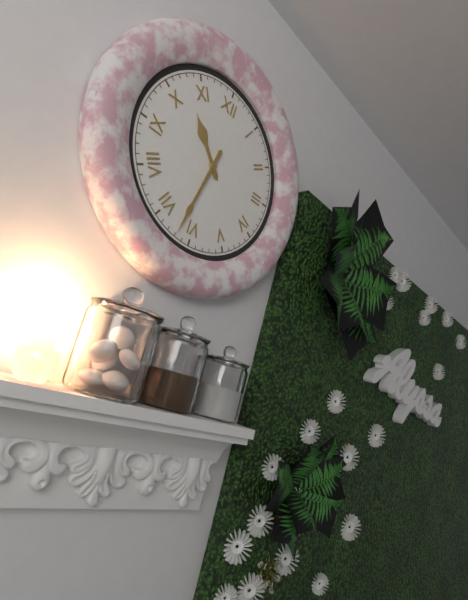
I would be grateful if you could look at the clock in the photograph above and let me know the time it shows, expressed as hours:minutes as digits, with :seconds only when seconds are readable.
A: 10:32
